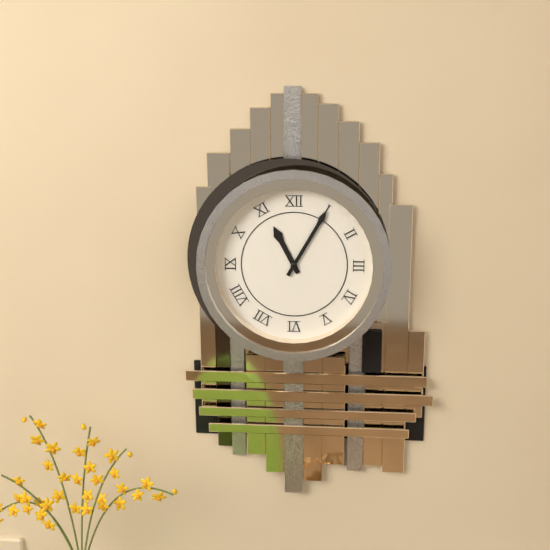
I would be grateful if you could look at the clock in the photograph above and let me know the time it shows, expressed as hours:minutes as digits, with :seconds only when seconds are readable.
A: 11:05
